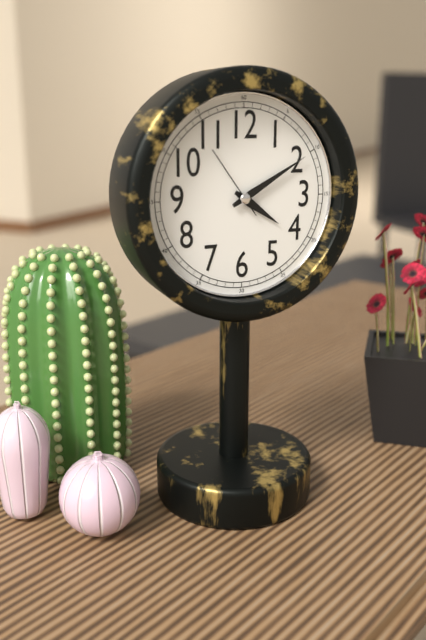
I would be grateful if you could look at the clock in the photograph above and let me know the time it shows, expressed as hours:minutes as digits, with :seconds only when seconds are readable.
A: 4:10:54
